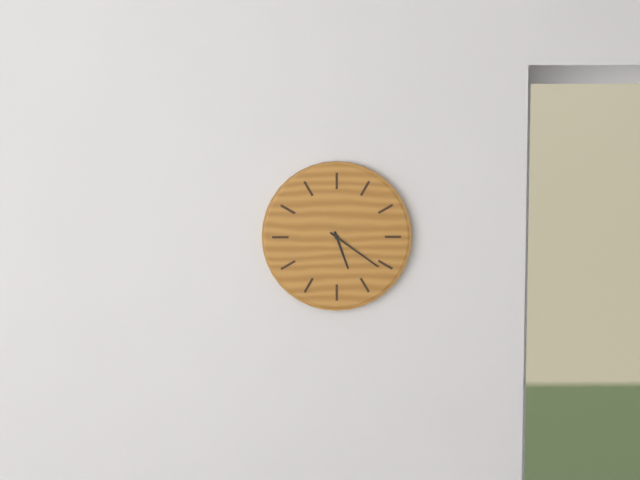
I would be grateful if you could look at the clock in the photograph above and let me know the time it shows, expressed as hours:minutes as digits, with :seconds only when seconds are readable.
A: 5:21
